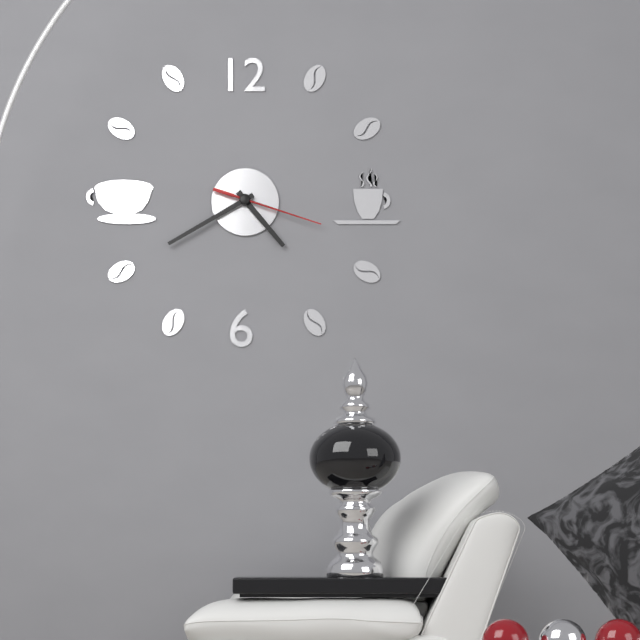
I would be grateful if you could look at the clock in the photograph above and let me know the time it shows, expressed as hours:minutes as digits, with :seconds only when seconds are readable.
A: 4:40:18
